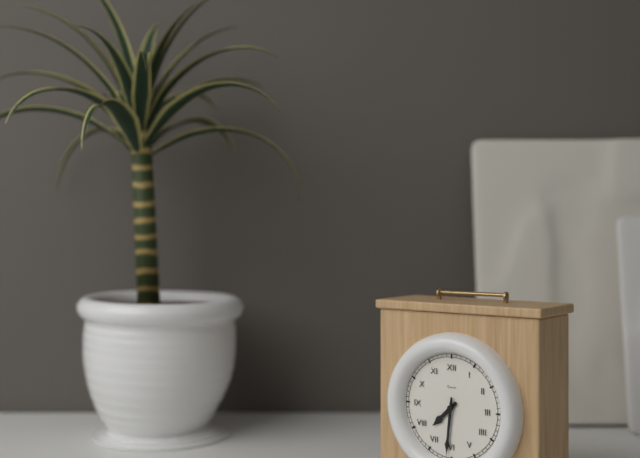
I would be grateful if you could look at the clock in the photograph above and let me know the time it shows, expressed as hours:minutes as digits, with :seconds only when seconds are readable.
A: 7:31
